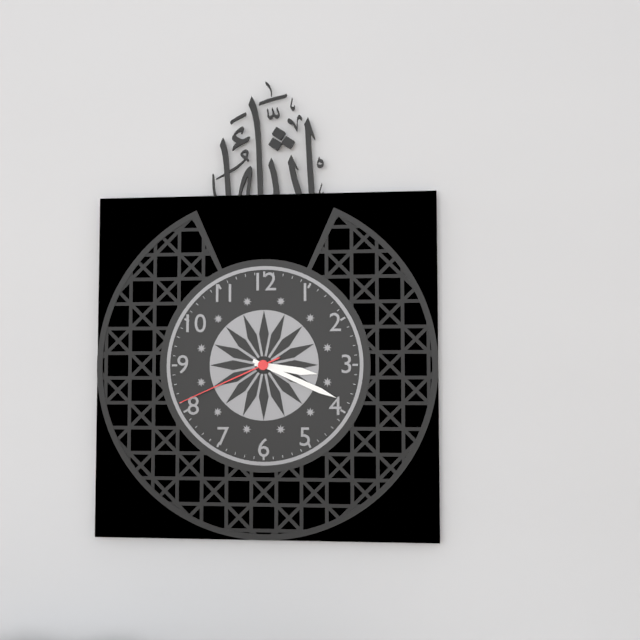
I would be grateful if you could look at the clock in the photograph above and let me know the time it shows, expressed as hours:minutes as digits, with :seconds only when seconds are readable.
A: 3:19:41
